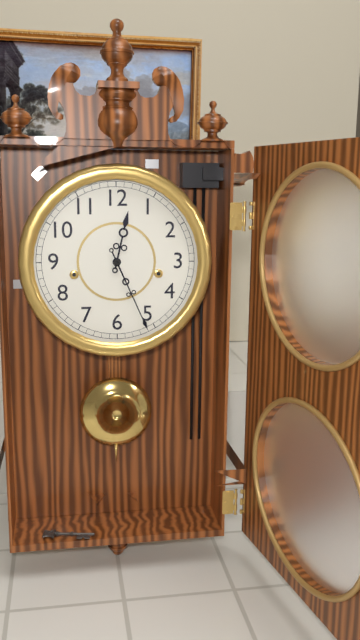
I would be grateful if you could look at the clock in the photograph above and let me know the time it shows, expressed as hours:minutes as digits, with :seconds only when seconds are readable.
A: 12:26
